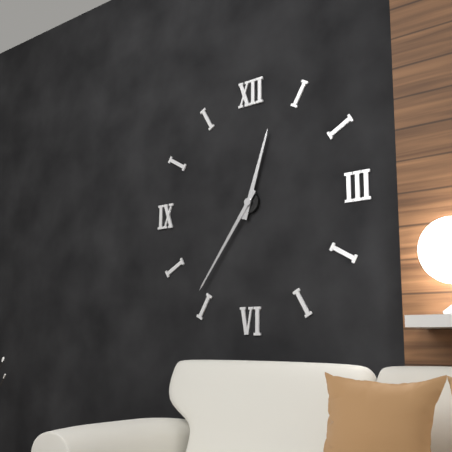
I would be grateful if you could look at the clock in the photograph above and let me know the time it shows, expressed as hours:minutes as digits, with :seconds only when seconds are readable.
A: 12:36
